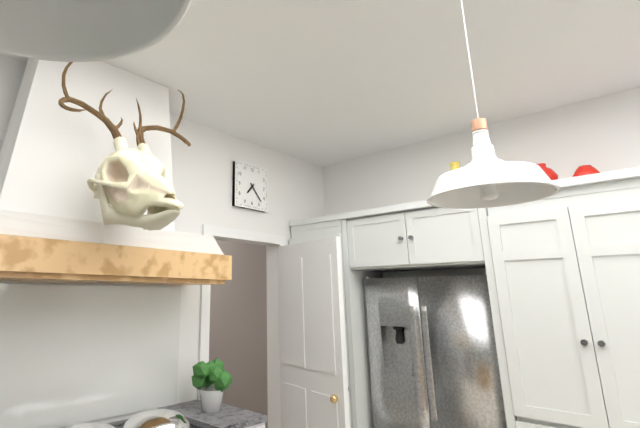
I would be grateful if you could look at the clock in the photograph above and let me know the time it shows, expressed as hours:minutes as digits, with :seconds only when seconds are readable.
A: 7:23
